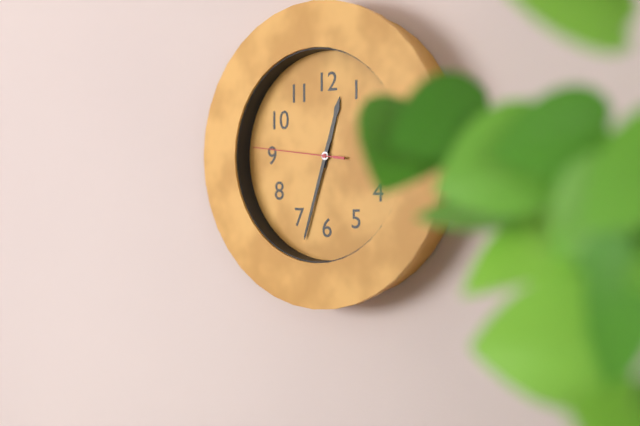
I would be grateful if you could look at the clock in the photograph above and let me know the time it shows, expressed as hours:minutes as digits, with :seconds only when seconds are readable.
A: 12:33:46
